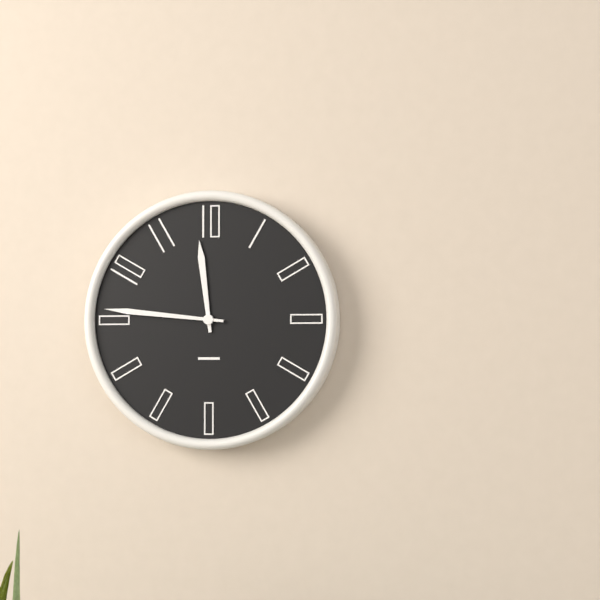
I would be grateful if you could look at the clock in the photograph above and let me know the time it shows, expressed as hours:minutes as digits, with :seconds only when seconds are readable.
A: 11:46
